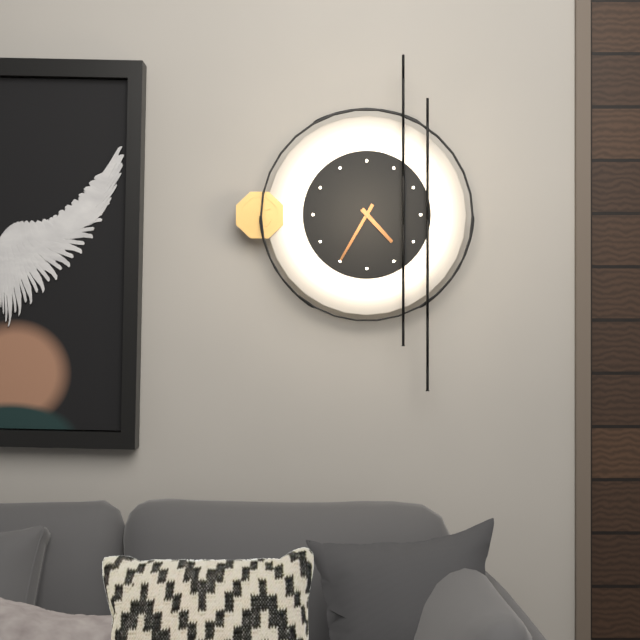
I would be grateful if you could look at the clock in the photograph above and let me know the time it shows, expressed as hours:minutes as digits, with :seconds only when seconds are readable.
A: 4:35
